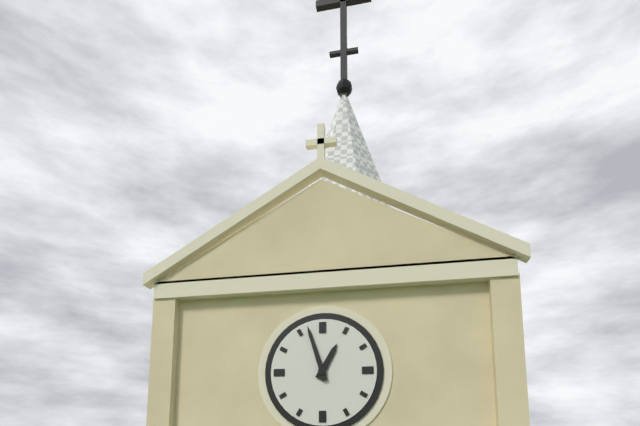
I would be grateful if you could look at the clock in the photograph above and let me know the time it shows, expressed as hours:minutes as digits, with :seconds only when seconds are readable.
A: 12:57
